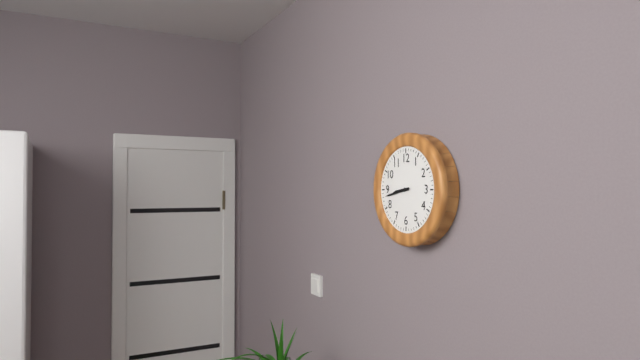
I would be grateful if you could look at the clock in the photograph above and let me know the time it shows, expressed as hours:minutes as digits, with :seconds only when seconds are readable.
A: 8:43
